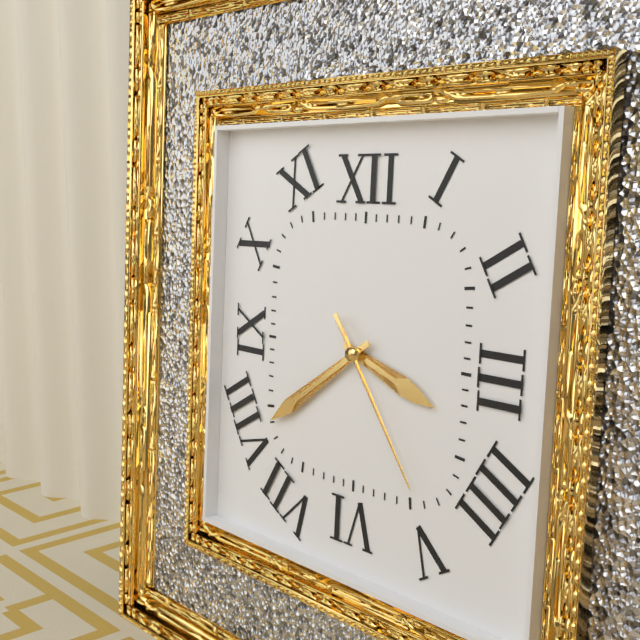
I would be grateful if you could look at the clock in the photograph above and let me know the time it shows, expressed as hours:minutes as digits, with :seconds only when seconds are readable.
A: 3:39:24
